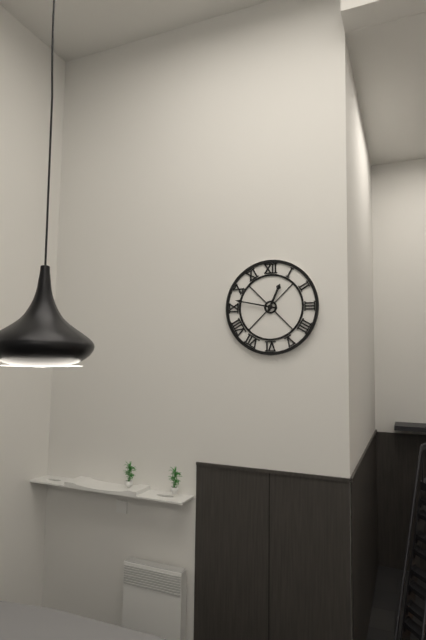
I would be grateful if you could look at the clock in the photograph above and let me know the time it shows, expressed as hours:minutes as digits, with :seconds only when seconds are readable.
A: 12:47
